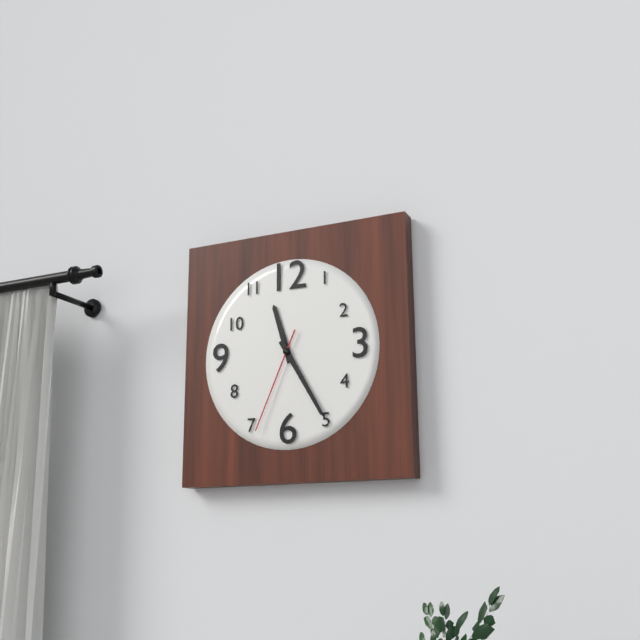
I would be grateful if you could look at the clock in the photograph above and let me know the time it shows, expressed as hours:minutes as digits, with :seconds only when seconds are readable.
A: 11:25:34
